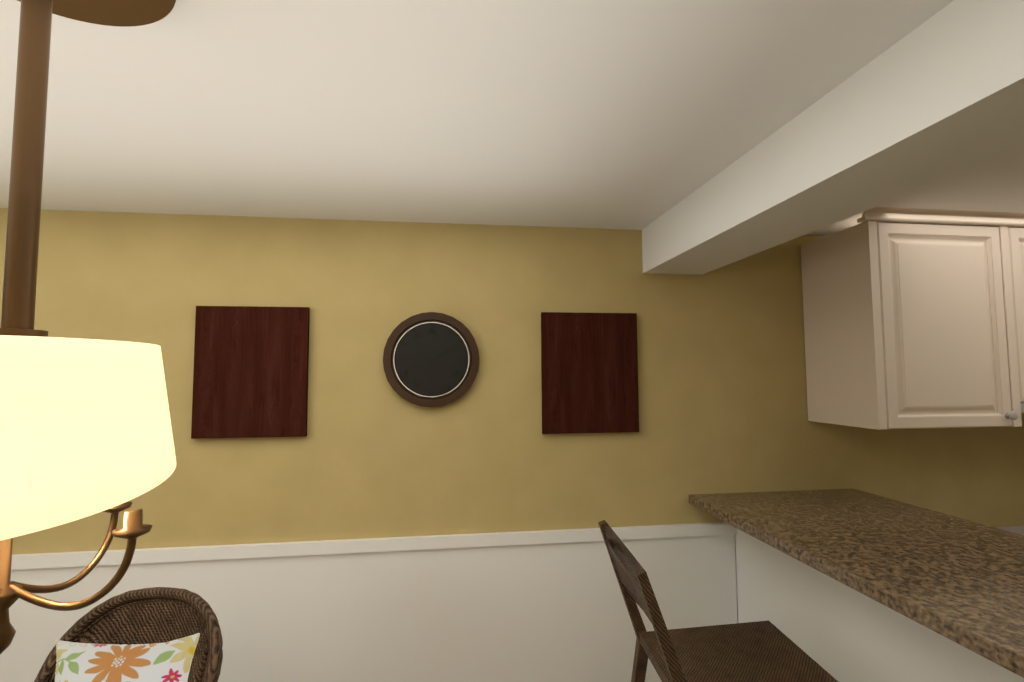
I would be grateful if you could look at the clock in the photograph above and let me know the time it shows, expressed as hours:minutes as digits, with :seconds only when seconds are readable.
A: 10:10
